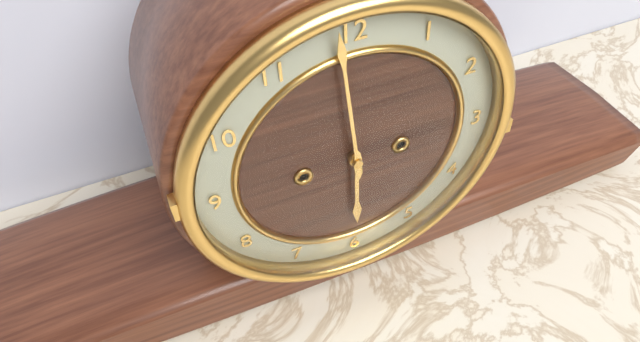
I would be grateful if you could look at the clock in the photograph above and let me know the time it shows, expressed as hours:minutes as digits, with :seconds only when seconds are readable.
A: 5:59
